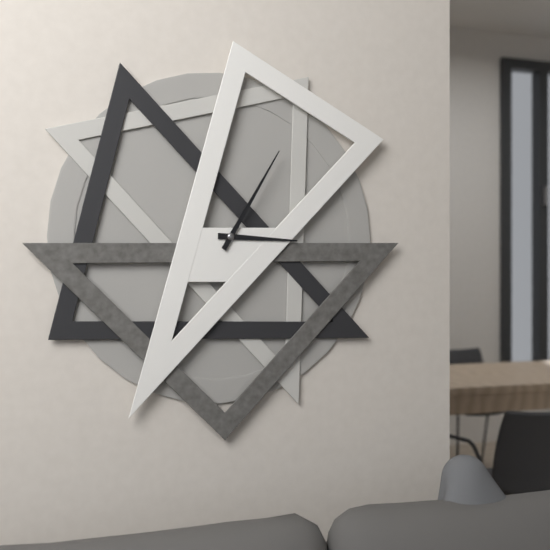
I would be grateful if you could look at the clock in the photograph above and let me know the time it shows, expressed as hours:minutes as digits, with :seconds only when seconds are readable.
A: 3:05
